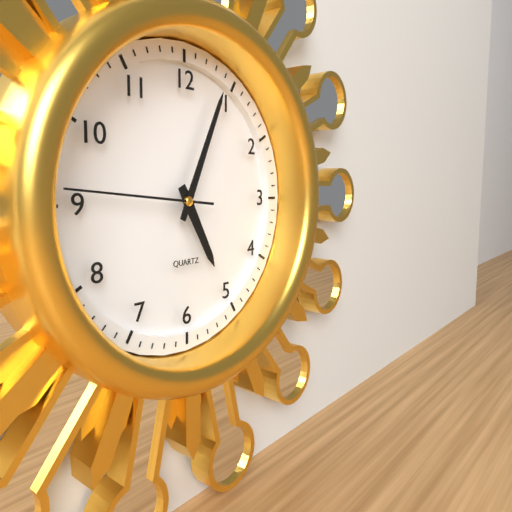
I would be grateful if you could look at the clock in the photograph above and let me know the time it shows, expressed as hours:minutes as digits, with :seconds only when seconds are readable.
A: 5:04:46
